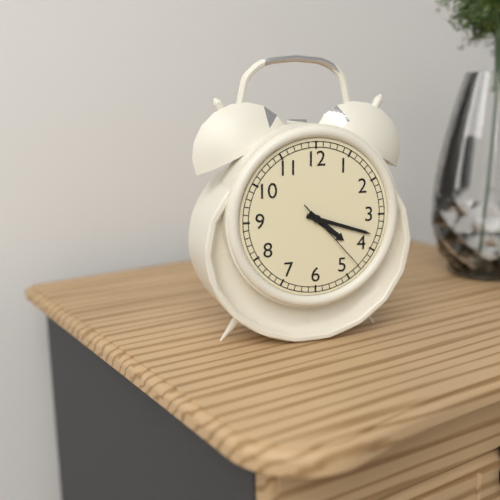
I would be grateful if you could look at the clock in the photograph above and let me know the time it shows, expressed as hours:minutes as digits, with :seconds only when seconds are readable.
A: 4:18:23
